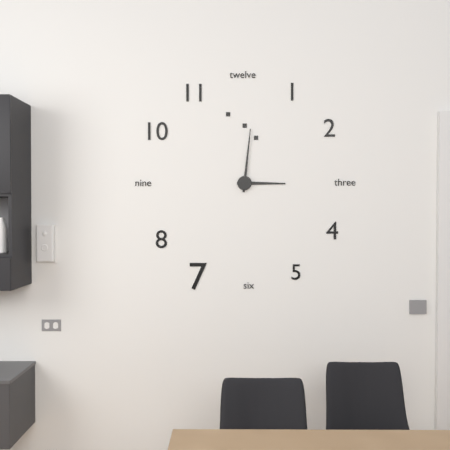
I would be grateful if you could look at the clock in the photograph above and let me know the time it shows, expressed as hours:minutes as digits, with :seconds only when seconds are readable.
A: 3:01
